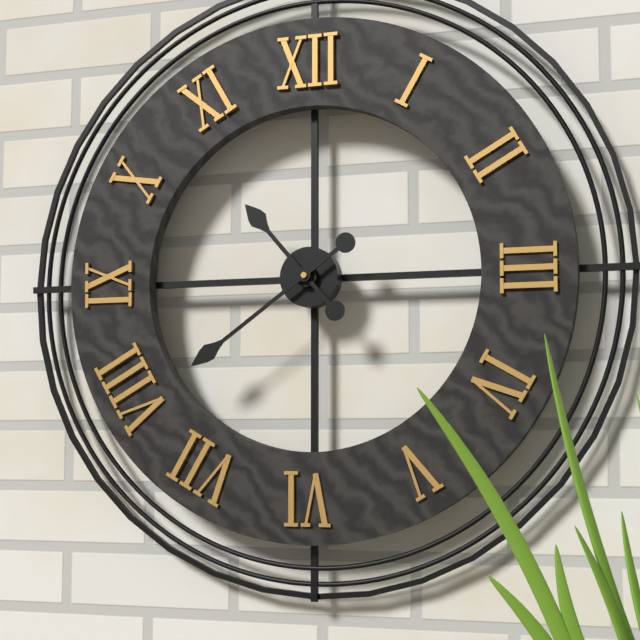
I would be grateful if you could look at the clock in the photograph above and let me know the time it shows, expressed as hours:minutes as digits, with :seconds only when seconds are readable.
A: 10:39
